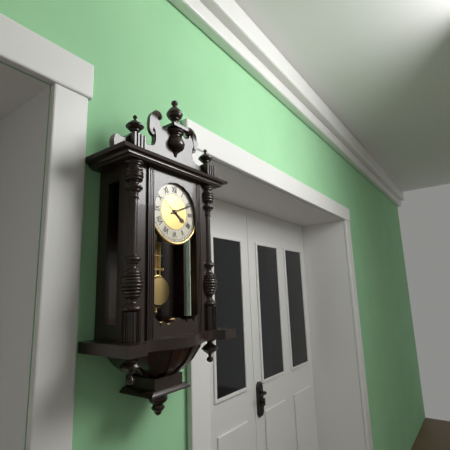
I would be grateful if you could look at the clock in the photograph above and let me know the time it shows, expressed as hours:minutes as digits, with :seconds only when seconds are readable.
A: 4:11
